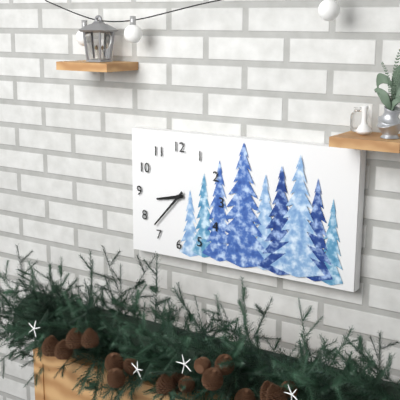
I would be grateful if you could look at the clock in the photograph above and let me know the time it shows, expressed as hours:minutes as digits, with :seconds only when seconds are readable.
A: 8:37
